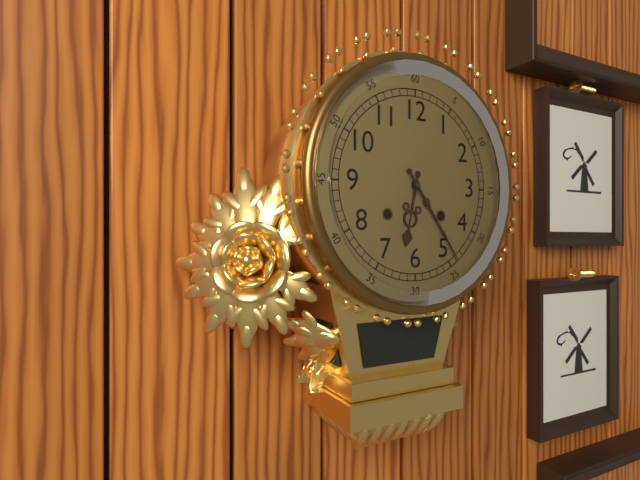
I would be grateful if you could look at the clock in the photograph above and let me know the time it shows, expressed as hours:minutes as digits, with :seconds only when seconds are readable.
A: 6:24
